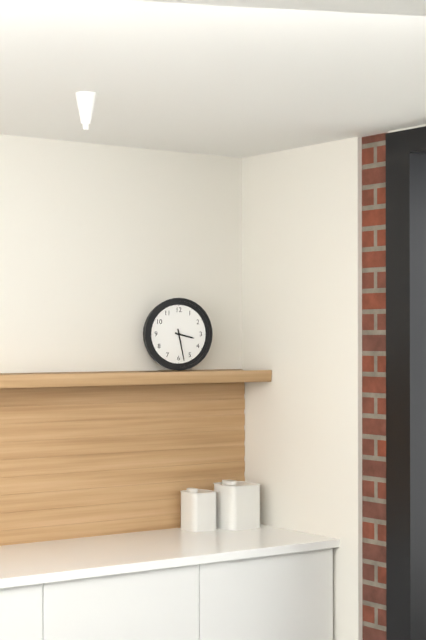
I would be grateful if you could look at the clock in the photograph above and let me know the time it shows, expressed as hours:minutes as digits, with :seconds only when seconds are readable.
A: 3:28
